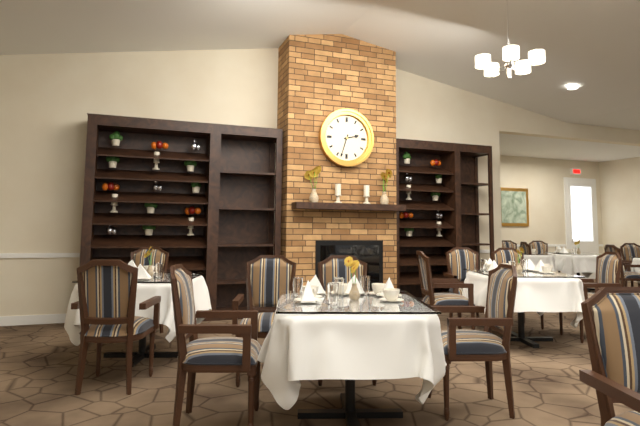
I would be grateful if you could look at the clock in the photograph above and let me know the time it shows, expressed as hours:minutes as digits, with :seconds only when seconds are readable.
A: 2:33
